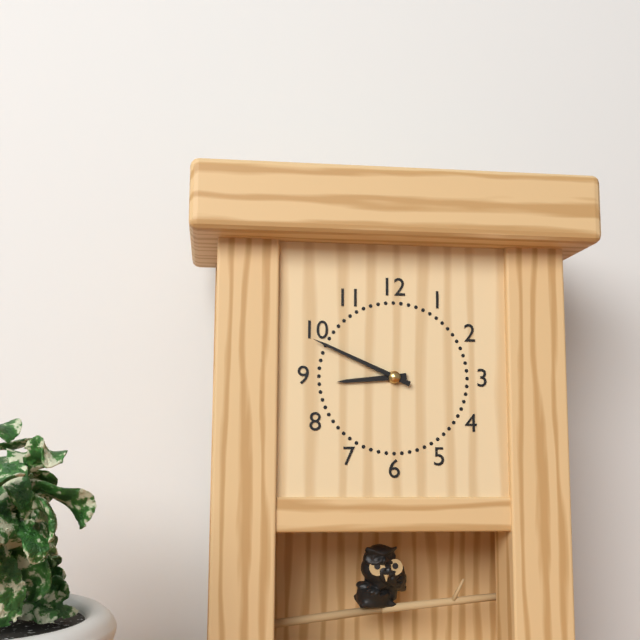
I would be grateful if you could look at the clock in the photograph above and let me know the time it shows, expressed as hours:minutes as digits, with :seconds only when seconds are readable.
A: 8:49
